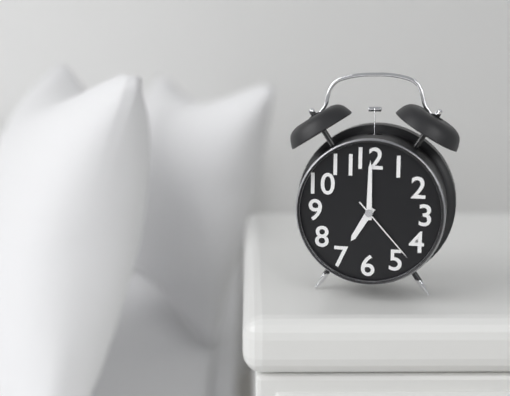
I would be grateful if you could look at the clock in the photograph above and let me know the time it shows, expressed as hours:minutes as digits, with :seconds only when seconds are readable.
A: 7:00:23
